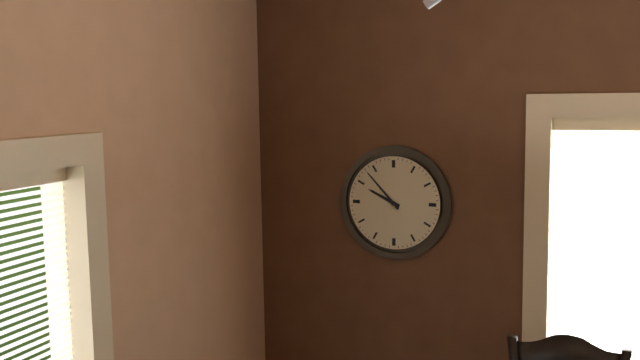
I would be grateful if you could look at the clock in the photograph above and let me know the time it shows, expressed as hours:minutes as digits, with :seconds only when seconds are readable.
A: 9:53
